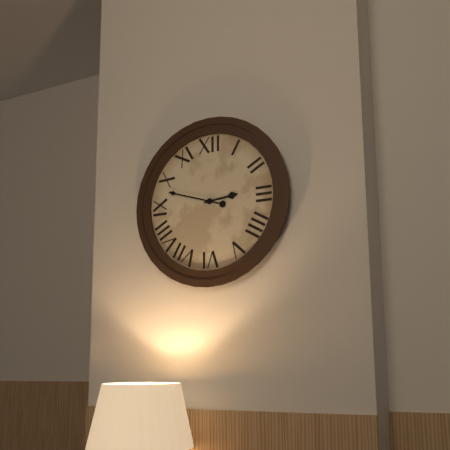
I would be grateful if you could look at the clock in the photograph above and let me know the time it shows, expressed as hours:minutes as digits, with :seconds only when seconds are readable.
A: 2:48
